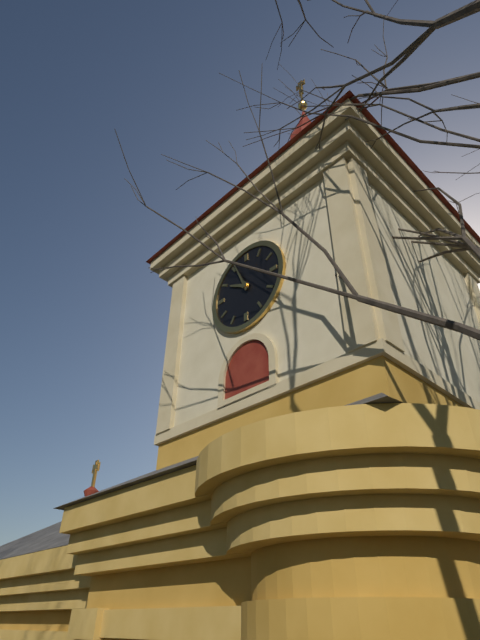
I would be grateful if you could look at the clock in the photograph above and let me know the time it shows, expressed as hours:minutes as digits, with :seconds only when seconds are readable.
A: 9:56
